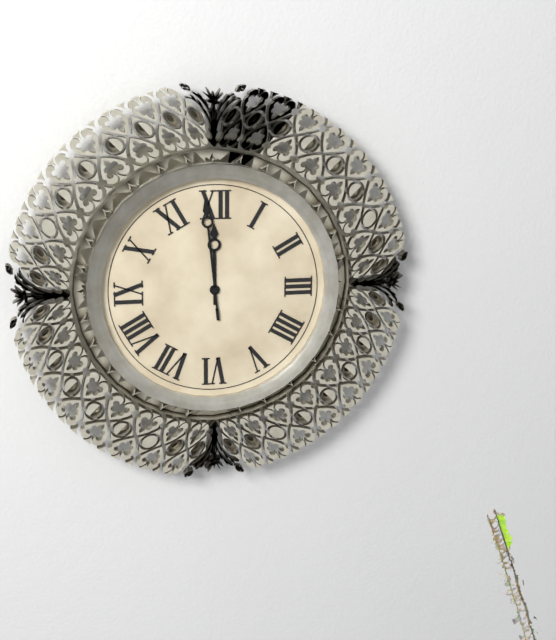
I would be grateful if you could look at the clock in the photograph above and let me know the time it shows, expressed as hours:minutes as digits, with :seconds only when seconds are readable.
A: 11:59
